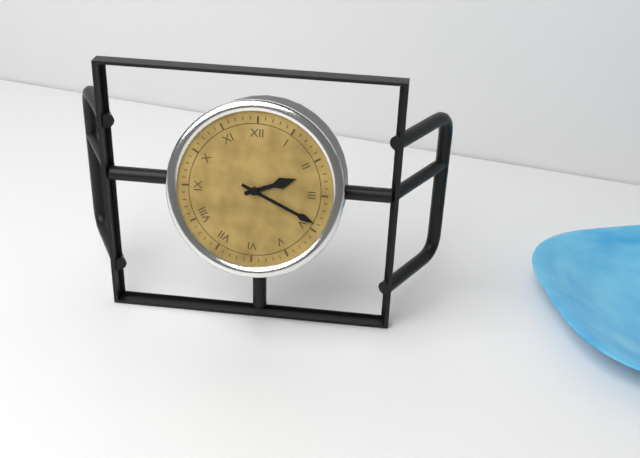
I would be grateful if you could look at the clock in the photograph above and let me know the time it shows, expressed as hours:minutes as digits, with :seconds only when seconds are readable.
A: 2:19
